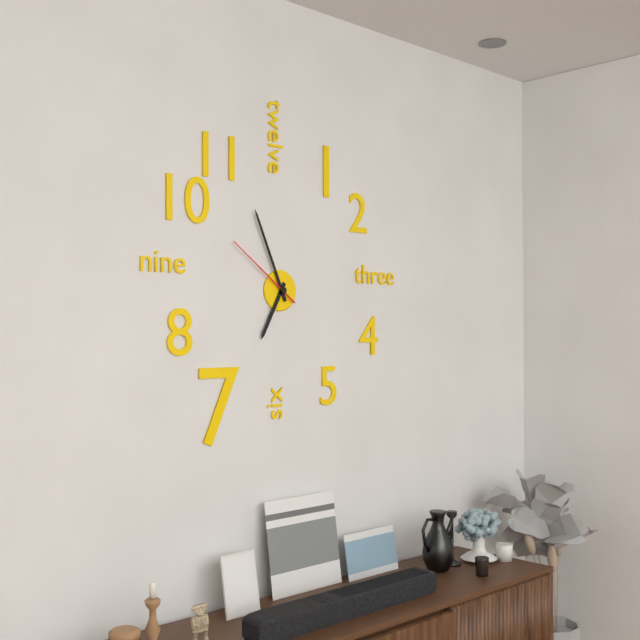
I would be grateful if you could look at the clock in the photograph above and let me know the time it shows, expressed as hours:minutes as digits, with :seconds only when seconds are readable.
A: 6:56:51
